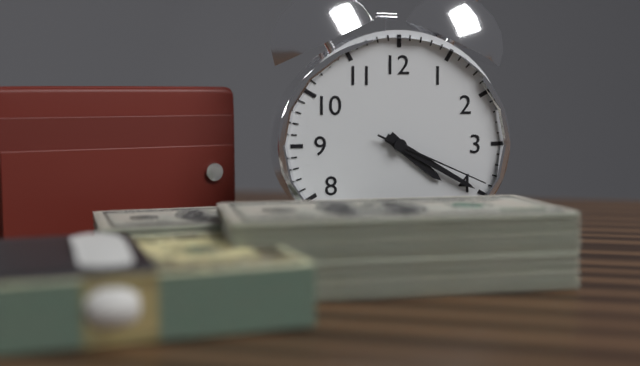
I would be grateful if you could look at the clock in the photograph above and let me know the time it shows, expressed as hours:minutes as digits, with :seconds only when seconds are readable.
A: 4:20:19
